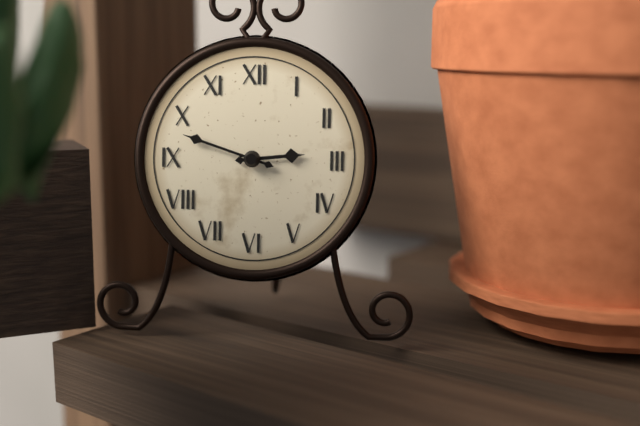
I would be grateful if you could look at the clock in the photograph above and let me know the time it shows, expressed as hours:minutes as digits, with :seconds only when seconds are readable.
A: 2:48
